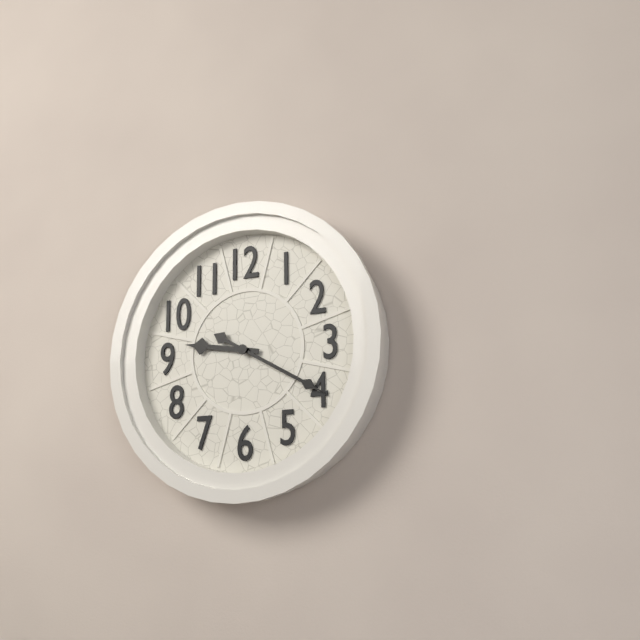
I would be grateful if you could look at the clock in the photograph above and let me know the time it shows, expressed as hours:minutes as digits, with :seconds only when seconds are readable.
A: 9:20
